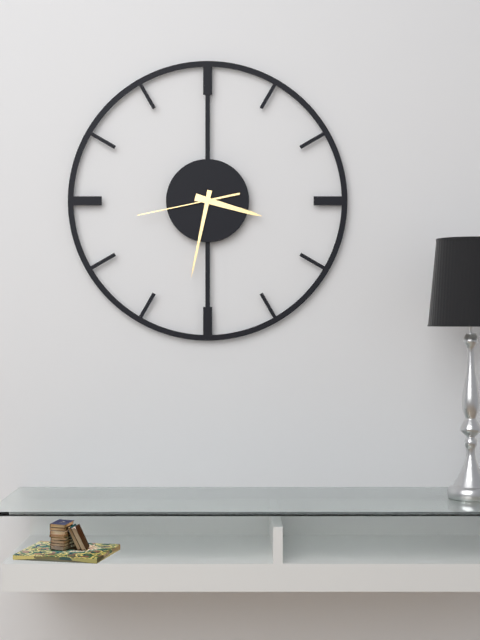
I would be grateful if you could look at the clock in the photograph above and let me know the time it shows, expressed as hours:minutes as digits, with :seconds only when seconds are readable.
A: 3:32:43
